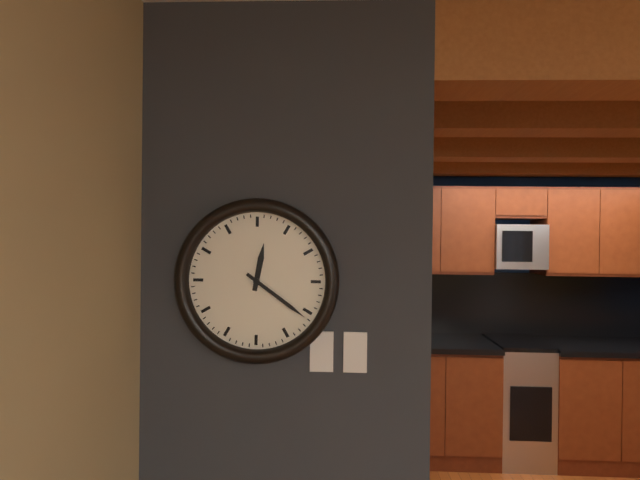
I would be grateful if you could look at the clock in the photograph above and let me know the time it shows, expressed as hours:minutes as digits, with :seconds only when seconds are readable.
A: 12:21
